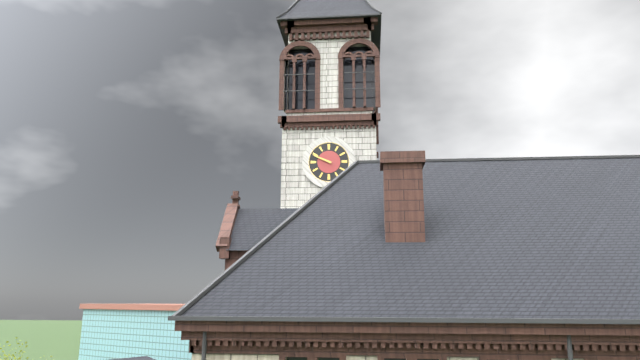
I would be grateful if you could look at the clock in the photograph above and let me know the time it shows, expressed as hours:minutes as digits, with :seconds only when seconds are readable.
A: 9:49
